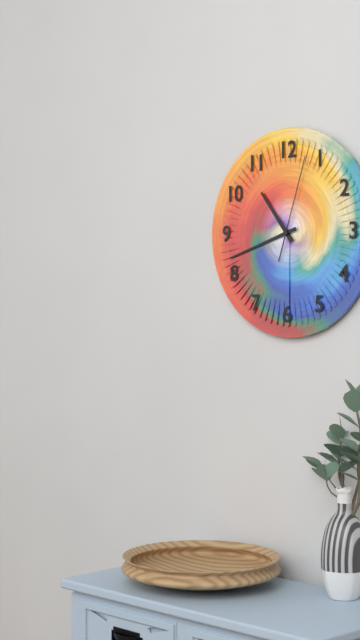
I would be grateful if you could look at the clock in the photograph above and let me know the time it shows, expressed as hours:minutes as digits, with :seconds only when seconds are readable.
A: 10:42:03
